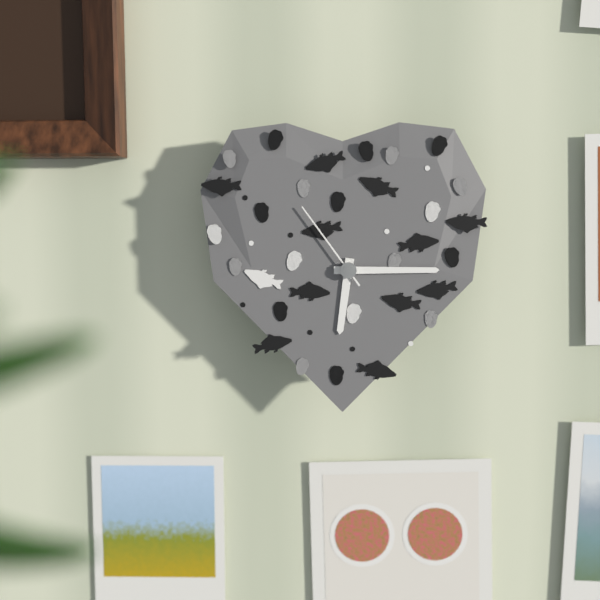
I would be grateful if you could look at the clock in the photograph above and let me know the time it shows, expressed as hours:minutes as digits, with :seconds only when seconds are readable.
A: 6:15:54
